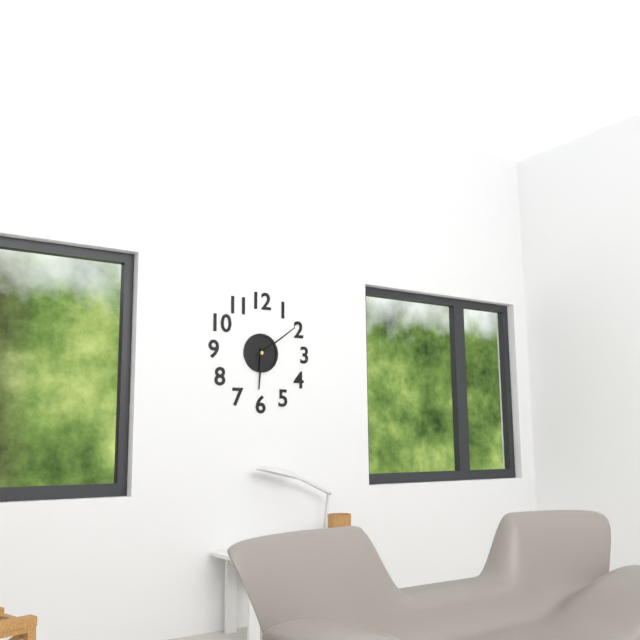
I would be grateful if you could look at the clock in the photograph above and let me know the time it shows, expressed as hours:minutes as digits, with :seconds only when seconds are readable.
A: 6:09
